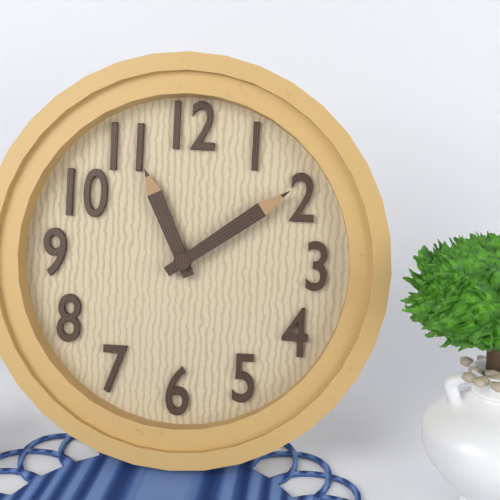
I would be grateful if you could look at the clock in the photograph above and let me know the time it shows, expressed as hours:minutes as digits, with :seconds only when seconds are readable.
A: 11:09
